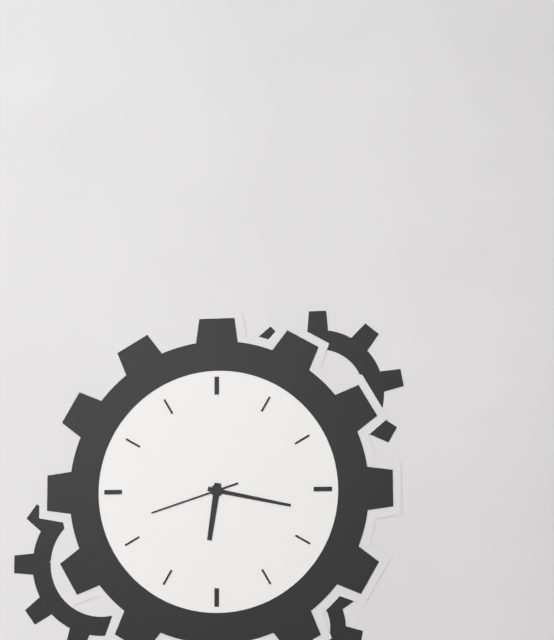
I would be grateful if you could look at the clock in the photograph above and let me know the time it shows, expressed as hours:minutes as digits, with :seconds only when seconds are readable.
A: 6:17:42
